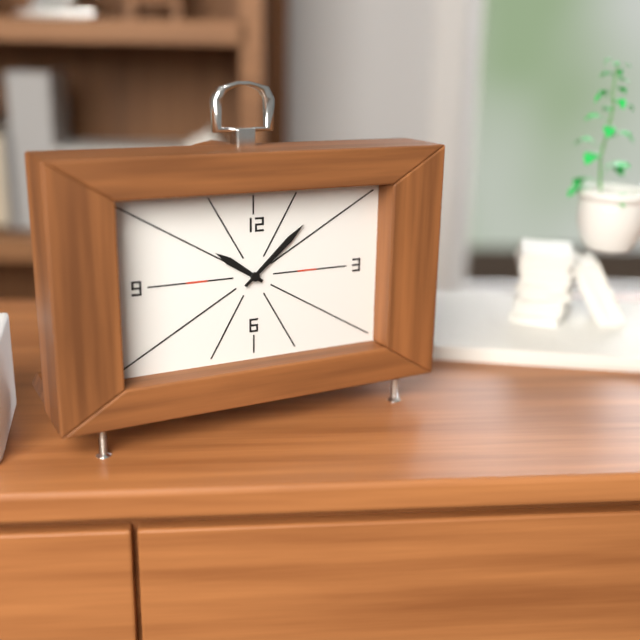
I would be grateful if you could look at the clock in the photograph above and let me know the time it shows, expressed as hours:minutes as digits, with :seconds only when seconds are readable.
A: 10:08
